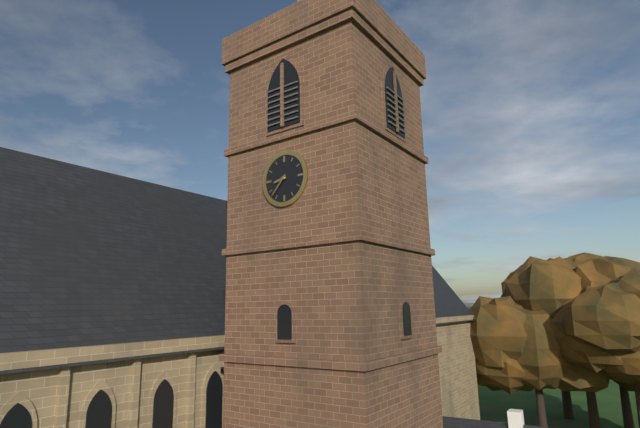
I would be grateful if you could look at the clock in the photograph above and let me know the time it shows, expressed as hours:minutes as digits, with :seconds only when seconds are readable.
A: 8:37
